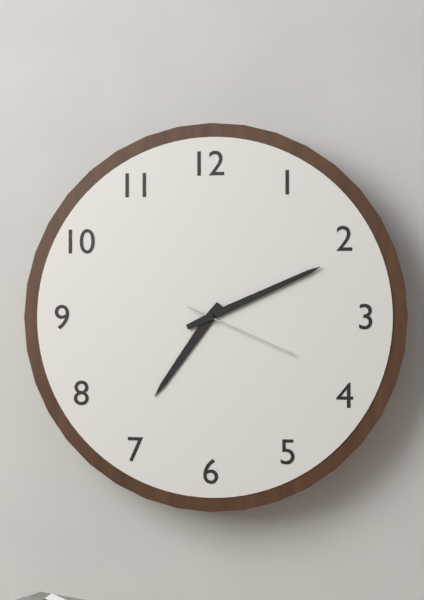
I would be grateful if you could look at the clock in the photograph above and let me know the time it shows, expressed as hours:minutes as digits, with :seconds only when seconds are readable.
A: 7:11:19
